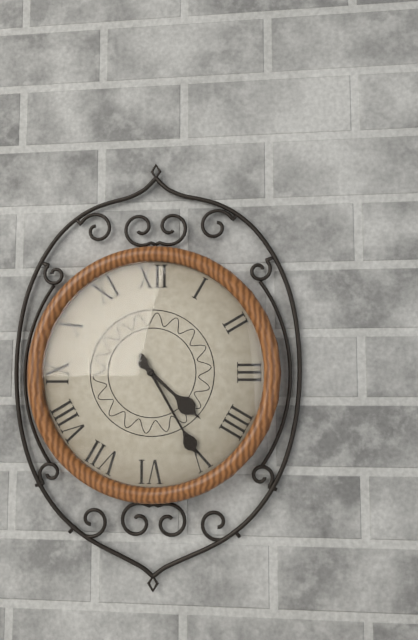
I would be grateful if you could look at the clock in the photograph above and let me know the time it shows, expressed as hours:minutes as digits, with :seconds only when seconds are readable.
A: 4:25
